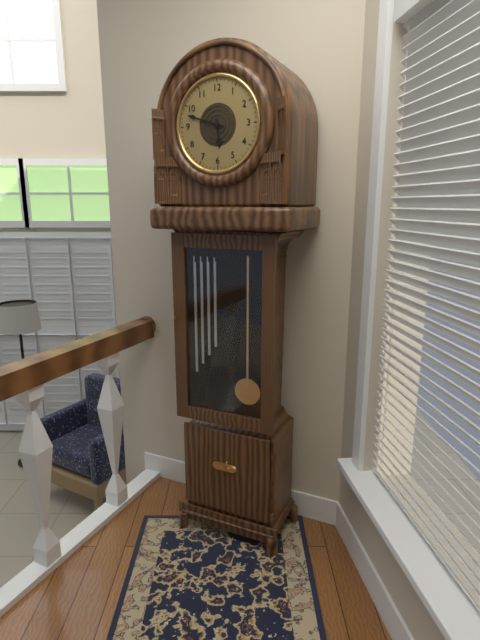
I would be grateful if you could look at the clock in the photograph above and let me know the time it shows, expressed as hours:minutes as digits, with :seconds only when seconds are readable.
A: 5:48
